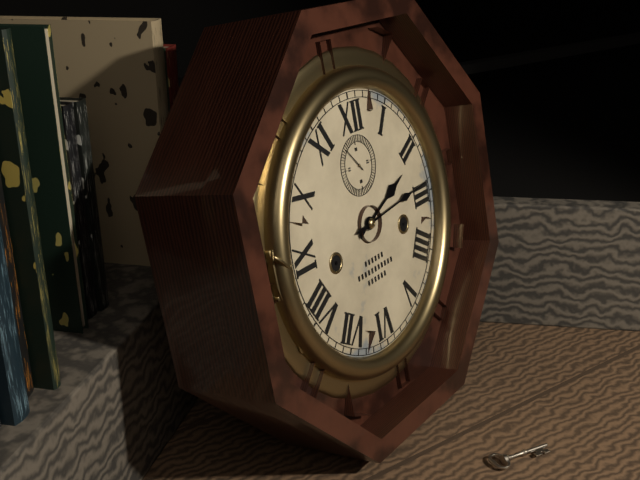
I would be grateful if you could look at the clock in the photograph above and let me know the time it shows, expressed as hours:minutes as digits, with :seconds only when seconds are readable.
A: 2:14
